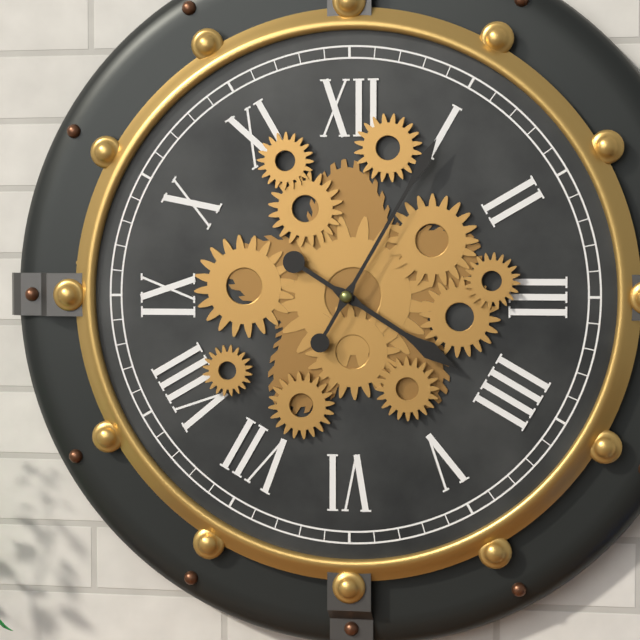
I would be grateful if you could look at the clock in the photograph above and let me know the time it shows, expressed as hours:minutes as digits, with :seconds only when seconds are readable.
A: 4:05
